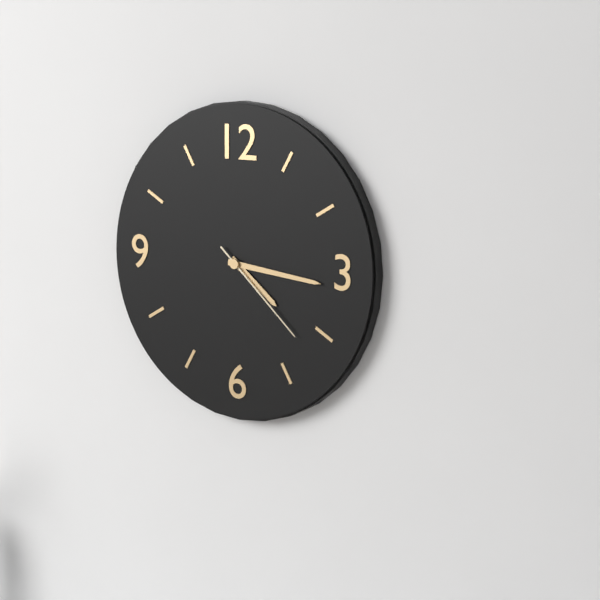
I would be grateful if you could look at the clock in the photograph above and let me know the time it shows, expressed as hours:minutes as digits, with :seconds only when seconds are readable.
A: 4:16:22
